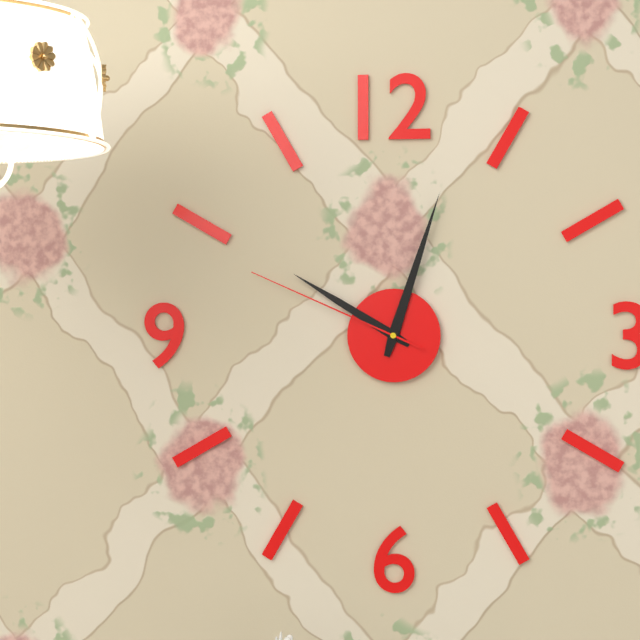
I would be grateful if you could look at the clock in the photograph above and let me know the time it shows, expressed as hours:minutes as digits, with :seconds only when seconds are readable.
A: 10:03:49
